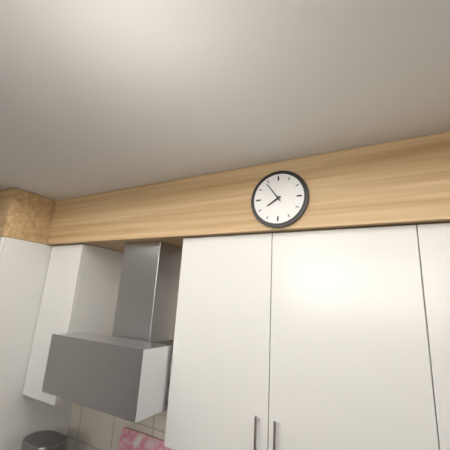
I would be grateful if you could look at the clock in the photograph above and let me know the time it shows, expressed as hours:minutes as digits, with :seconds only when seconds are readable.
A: 7:54
